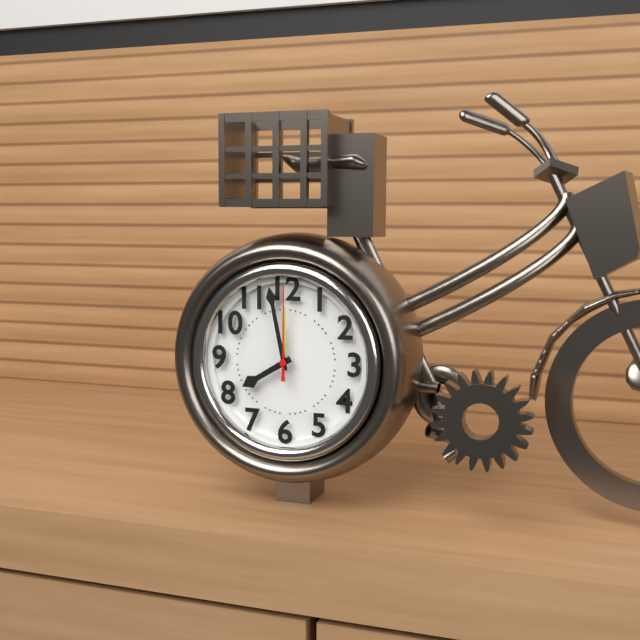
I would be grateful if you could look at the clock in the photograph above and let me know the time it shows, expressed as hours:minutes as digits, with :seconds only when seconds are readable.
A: 7:58:00
